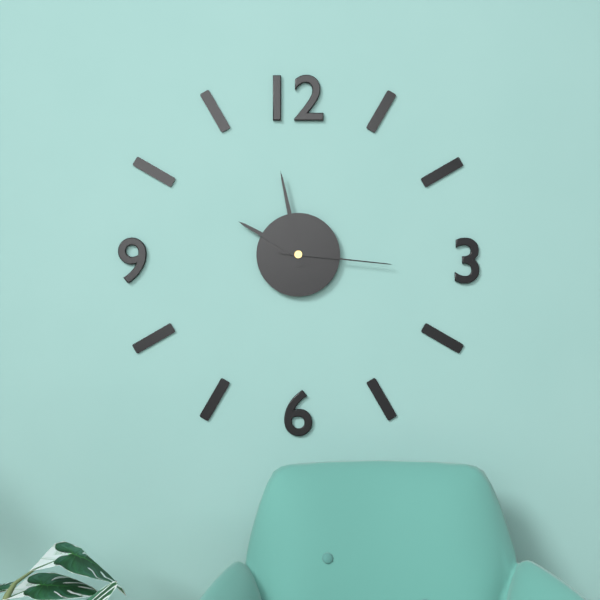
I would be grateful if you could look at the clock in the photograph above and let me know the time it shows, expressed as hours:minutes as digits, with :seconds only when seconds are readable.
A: 9:58:16
